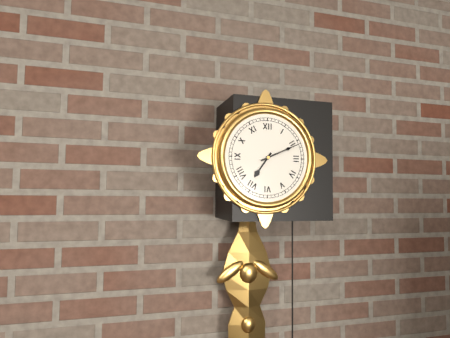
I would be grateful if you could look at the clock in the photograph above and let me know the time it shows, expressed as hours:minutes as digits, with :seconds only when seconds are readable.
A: 7:11
